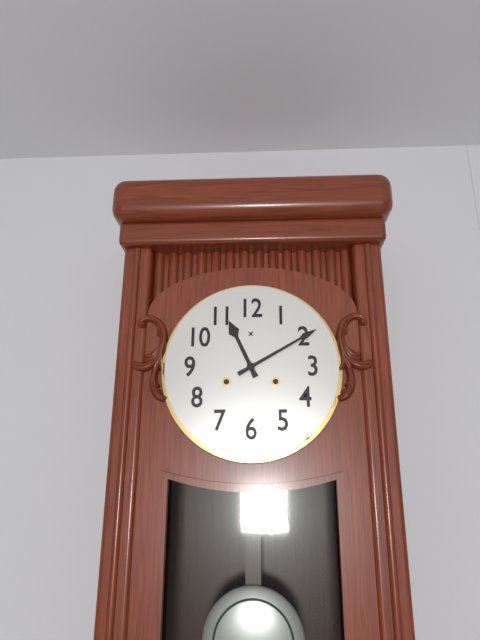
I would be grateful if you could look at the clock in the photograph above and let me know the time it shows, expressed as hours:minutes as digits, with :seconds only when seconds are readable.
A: 11:10
